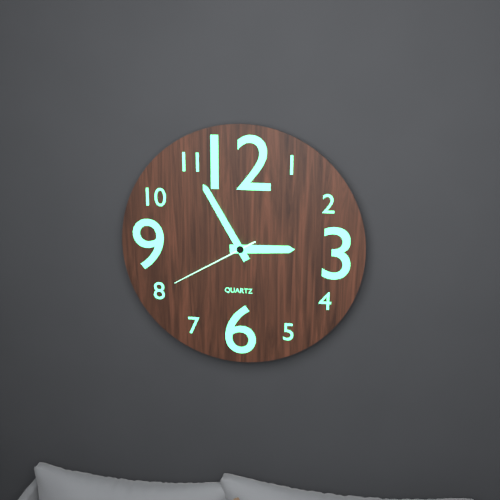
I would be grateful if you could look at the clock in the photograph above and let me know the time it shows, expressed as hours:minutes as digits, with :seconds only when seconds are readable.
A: 2:55:40
